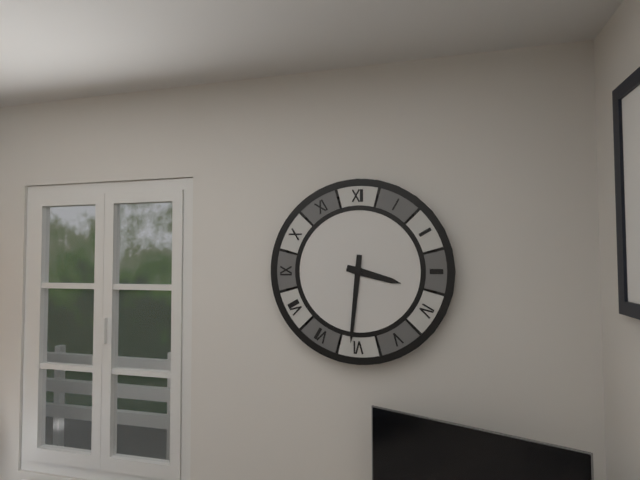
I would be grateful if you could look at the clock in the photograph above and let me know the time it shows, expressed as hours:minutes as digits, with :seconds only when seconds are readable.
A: 3:31
